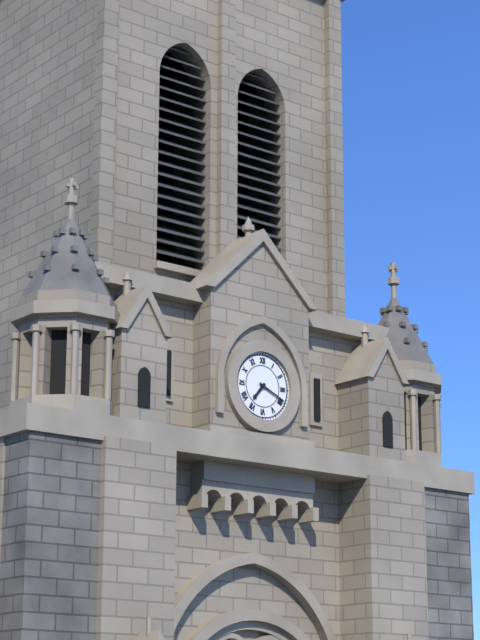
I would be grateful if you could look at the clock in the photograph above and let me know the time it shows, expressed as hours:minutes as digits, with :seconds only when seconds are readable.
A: 7:19
